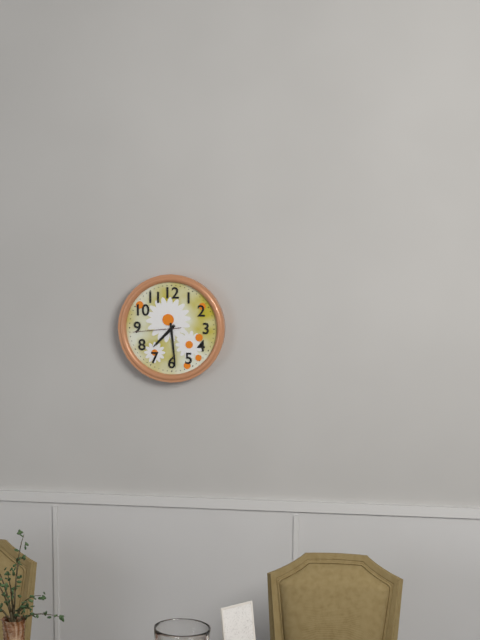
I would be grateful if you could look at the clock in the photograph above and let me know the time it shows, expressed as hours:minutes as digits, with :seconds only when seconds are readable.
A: 7:29
